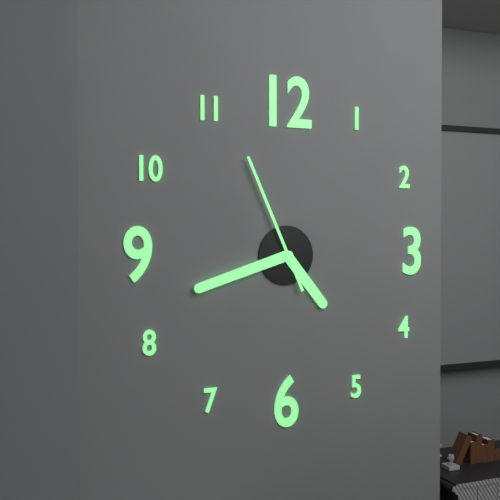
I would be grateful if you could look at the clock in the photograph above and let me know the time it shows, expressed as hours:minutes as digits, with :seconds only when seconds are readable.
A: 4:42:56
